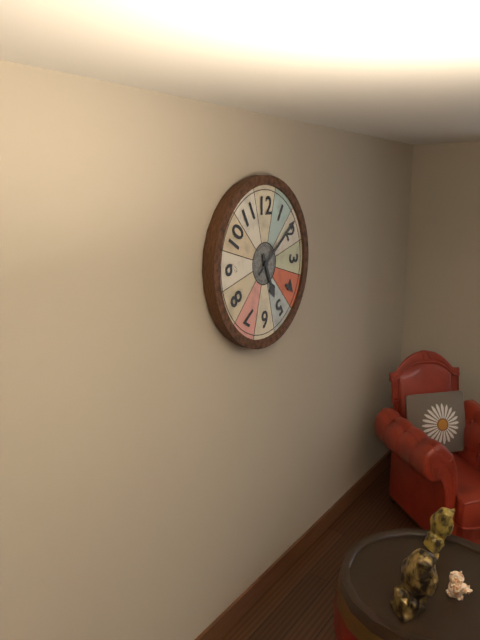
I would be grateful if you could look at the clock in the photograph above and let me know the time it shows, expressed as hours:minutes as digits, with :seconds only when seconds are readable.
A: 5:09
